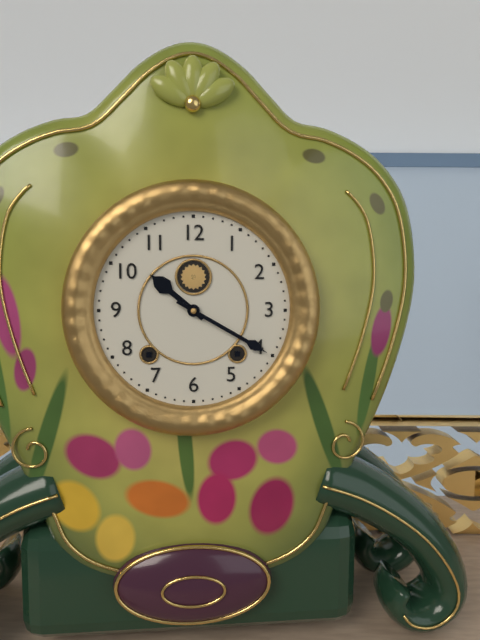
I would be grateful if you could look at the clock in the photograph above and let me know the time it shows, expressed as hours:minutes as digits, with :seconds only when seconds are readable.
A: 10:20
